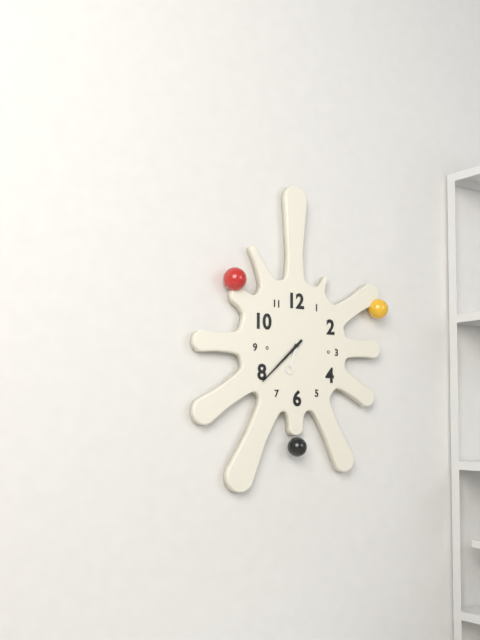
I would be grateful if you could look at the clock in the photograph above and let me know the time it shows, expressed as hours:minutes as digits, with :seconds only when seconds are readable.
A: 6:38
